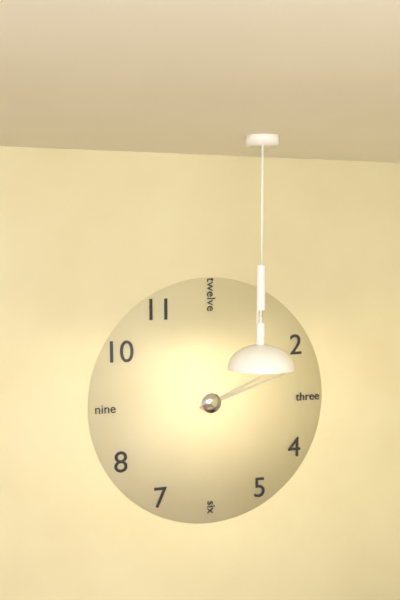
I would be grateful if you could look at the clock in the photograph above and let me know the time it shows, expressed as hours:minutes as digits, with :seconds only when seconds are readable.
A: 2:12
